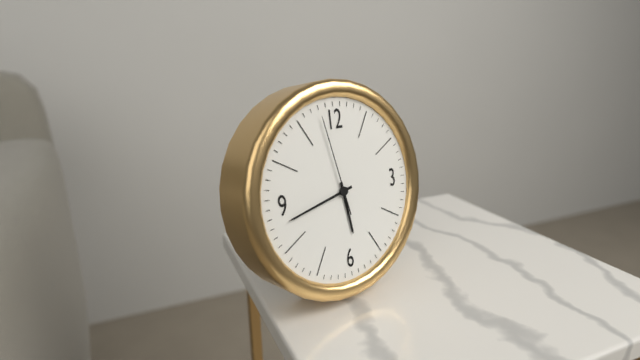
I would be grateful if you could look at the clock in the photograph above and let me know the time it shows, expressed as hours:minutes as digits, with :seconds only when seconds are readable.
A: 5:43:58
